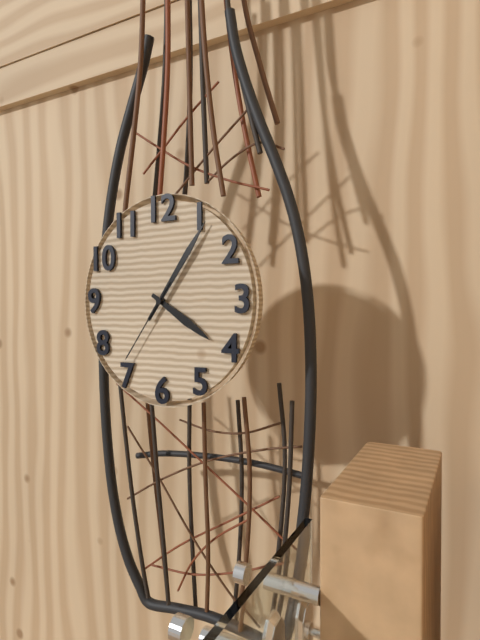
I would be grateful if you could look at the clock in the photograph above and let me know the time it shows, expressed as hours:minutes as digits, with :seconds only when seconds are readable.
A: 4:06:36
